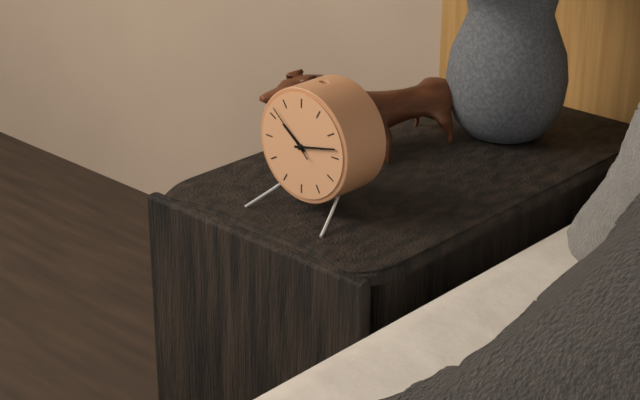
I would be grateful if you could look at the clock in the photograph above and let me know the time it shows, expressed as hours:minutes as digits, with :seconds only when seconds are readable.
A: 10:13:52
